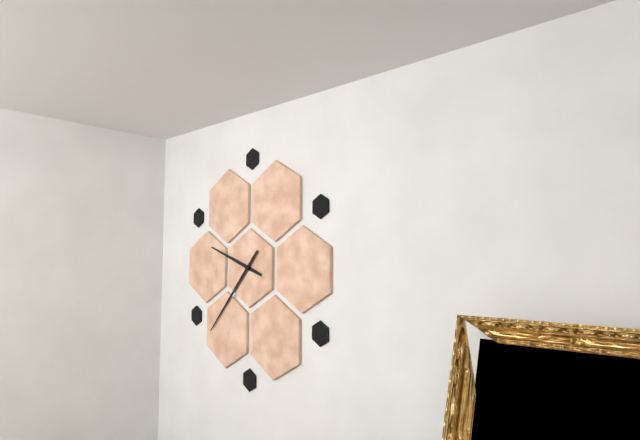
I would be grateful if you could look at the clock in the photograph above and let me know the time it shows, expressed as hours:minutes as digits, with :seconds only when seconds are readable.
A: 9:37
